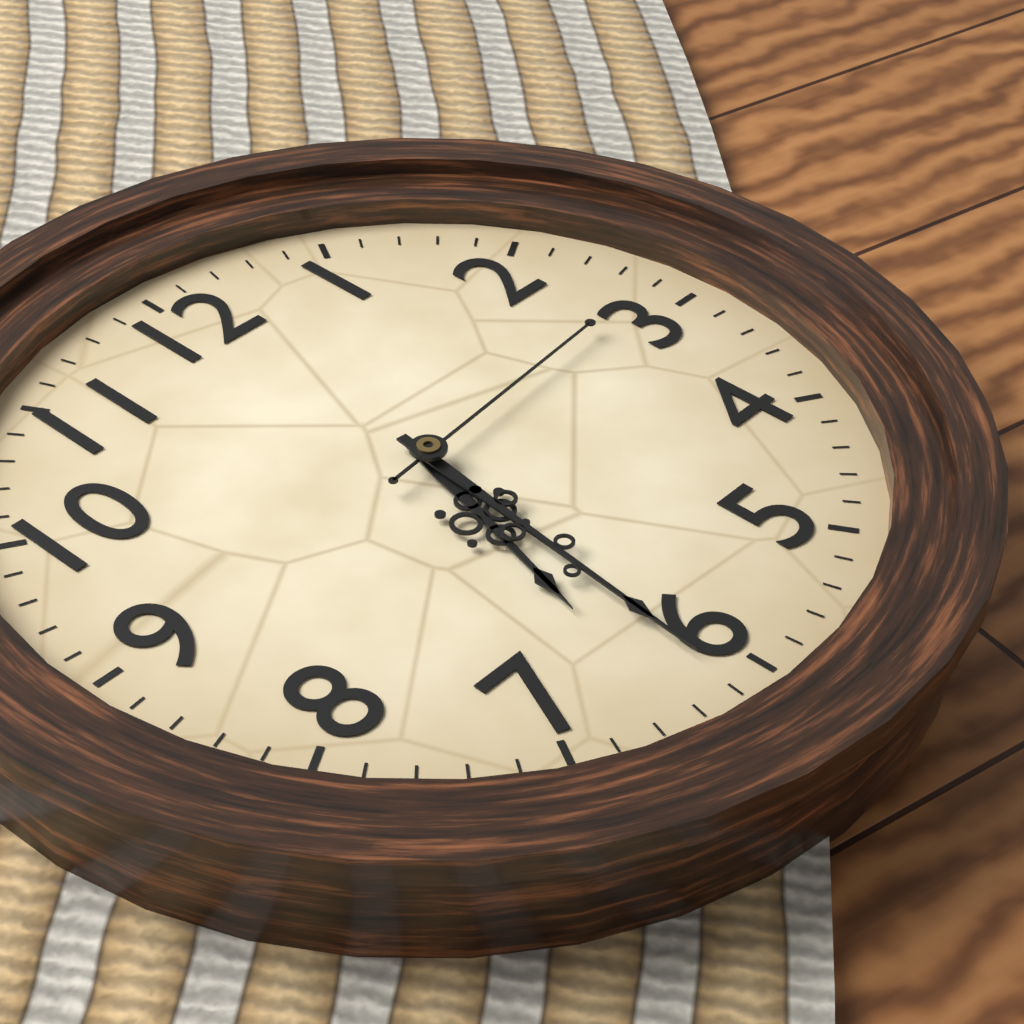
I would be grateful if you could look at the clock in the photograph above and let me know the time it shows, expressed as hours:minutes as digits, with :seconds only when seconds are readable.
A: 6:31:14
